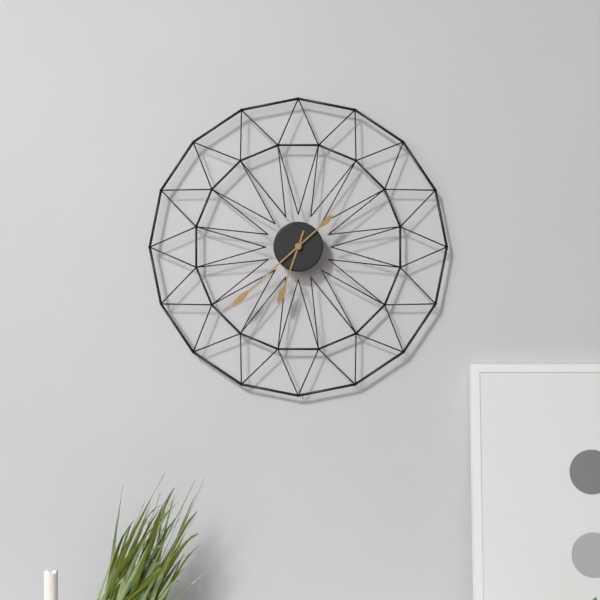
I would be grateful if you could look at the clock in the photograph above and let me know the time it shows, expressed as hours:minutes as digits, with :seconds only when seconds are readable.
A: 6:38
